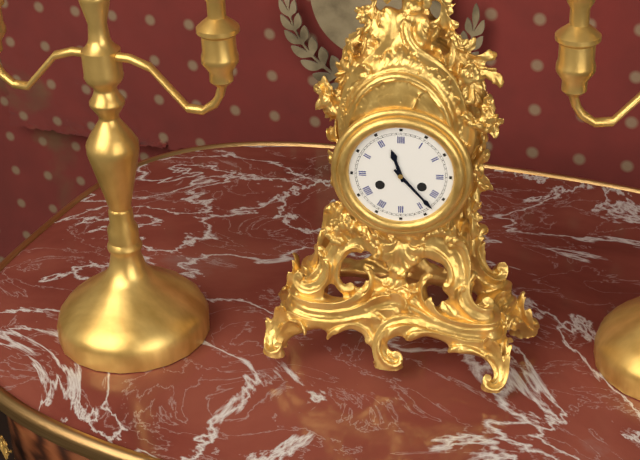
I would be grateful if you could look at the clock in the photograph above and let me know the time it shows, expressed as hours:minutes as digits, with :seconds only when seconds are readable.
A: 11:23
